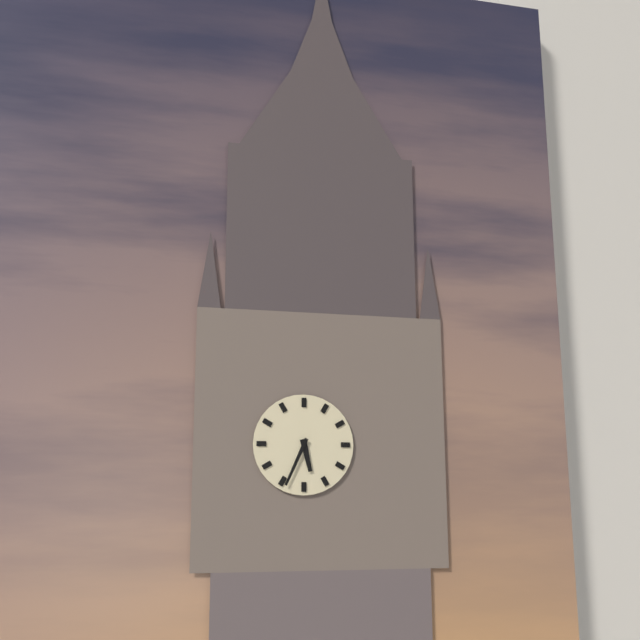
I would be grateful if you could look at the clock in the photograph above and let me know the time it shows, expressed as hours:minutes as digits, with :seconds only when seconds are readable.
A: 5:34
